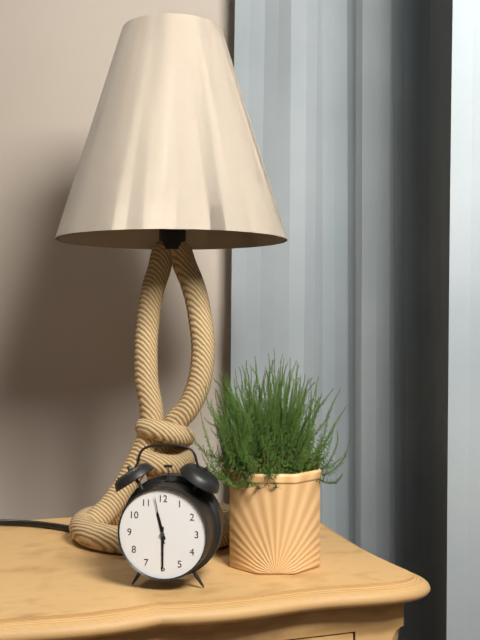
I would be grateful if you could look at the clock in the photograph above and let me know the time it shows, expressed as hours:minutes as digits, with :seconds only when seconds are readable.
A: 11:30
